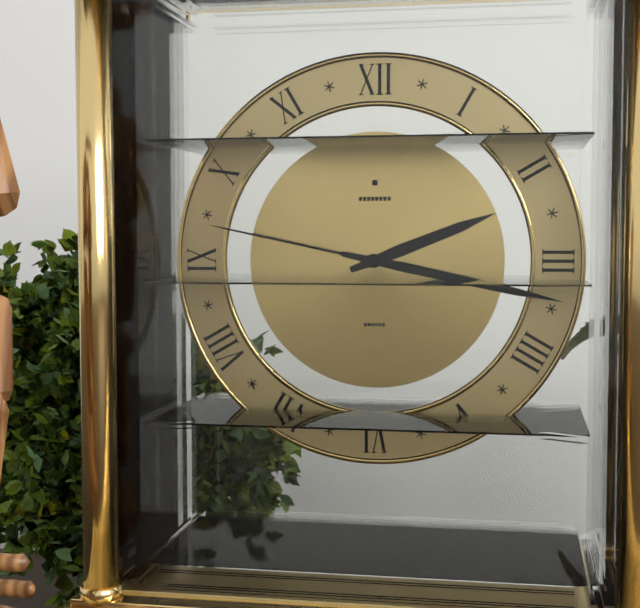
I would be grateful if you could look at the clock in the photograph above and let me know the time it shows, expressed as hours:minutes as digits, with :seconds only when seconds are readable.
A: 2:17:47
